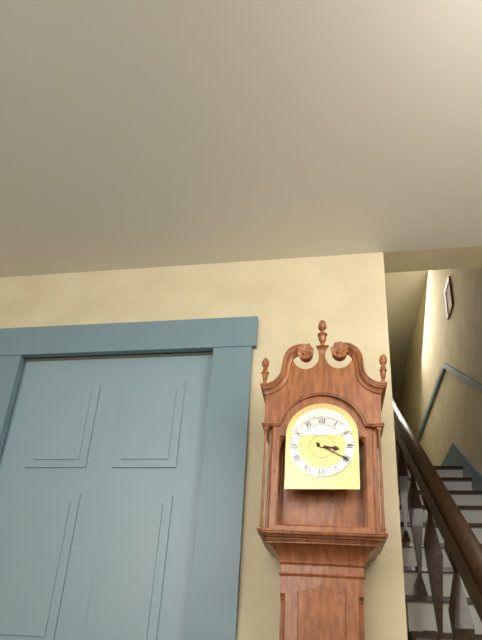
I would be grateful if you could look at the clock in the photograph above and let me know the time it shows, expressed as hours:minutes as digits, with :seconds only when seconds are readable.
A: 3:20
